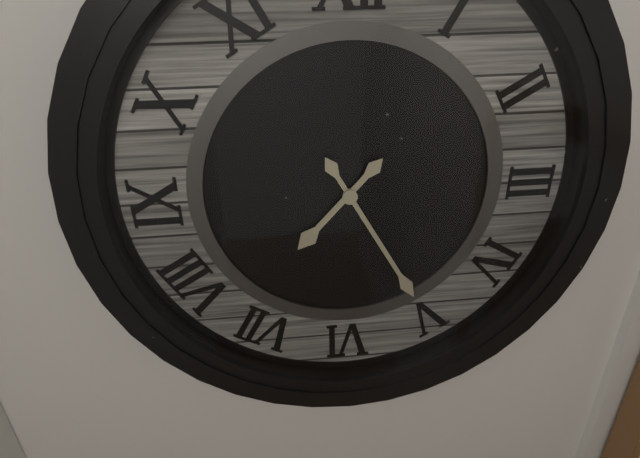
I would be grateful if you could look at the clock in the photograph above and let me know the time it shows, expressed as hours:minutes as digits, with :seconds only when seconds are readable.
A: 7:25
